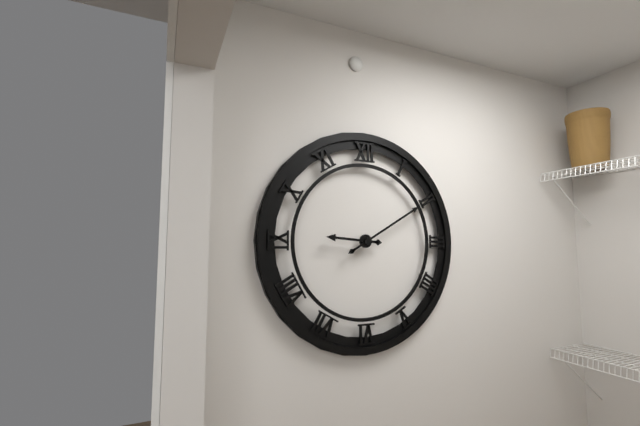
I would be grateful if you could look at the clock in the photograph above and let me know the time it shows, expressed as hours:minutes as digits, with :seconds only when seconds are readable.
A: 9:10
